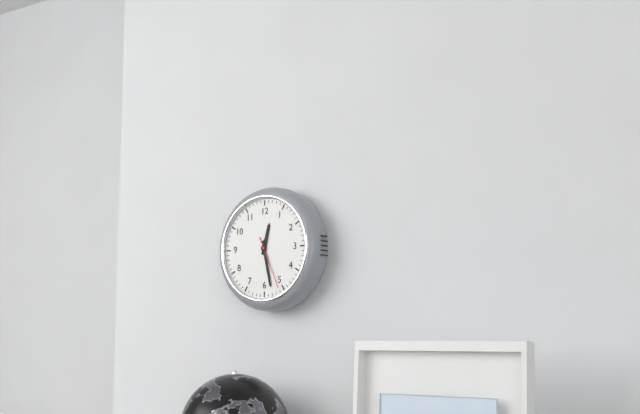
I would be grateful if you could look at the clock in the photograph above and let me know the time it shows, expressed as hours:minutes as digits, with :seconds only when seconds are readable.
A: 12:28
